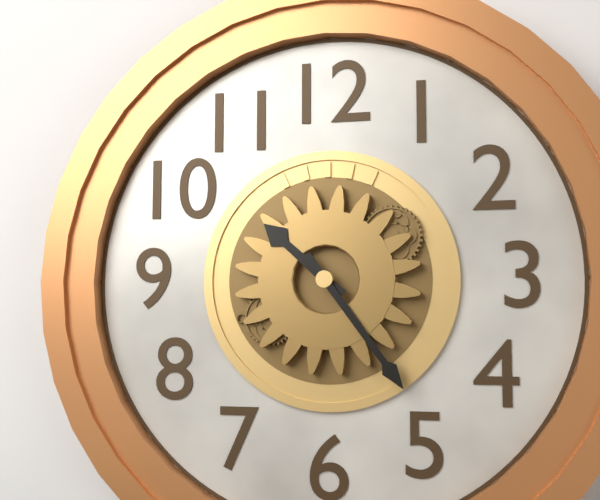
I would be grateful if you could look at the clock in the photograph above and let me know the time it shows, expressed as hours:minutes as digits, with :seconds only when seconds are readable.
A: 10:24
